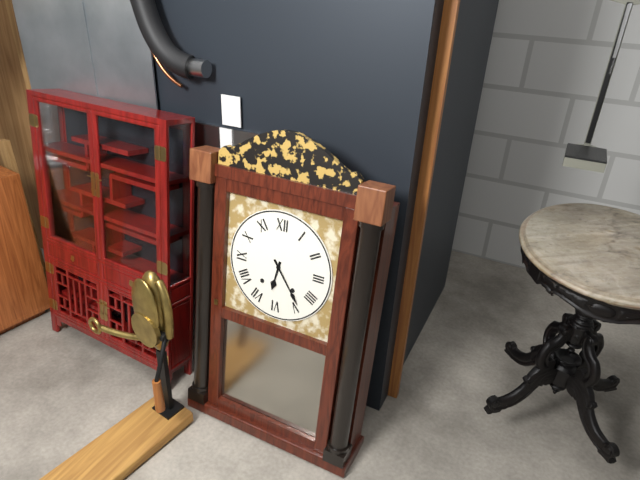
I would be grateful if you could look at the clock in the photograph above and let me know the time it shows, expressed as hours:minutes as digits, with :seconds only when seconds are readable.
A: 6:24
